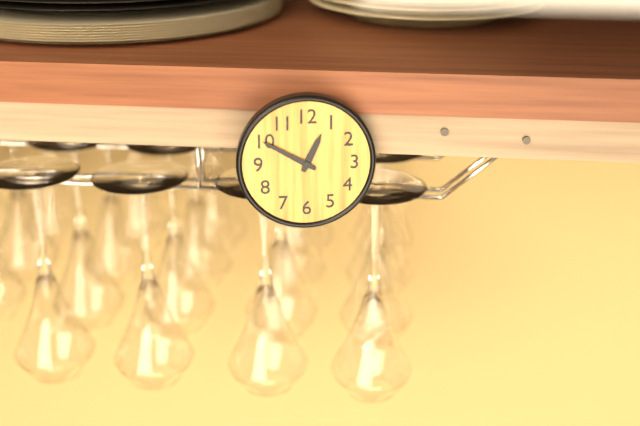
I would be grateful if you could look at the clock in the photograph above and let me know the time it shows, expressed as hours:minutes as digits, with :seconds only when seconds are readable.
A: 12:50
